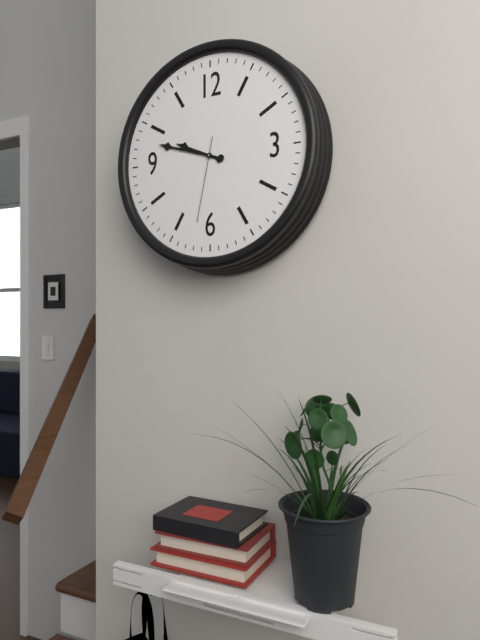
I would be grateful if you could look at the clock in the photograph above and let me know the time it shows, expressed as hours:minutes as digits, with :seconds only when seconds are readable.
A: 9:48:32
